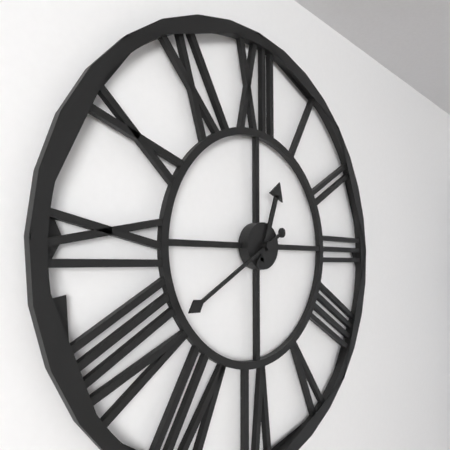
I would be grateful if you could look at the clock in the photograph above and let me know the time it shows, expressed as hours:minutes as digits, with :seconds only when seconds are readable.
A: 12:40
